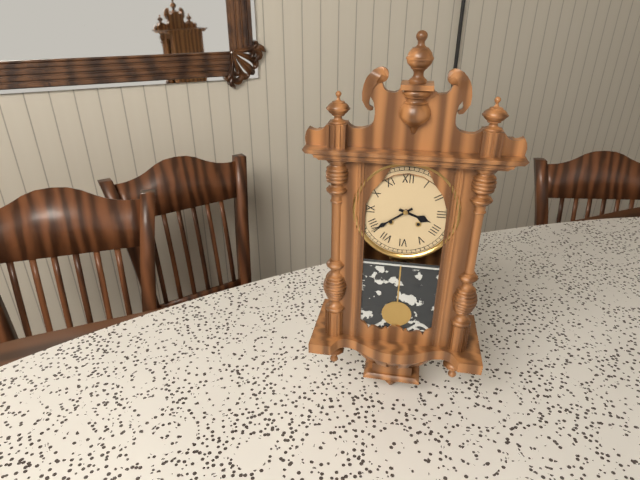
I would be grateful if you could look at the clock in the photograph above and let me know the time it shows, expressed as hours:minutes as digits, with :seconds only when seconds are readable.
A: 3:39
